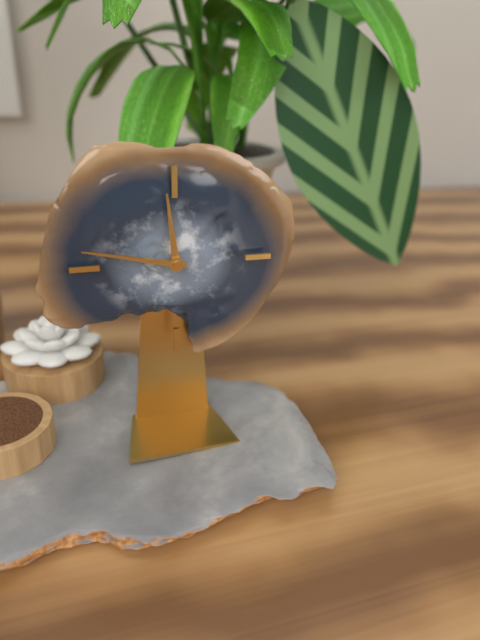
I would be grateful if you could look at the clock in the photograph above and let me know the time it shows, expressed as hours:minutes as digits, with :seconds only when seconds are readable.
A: 11:47
